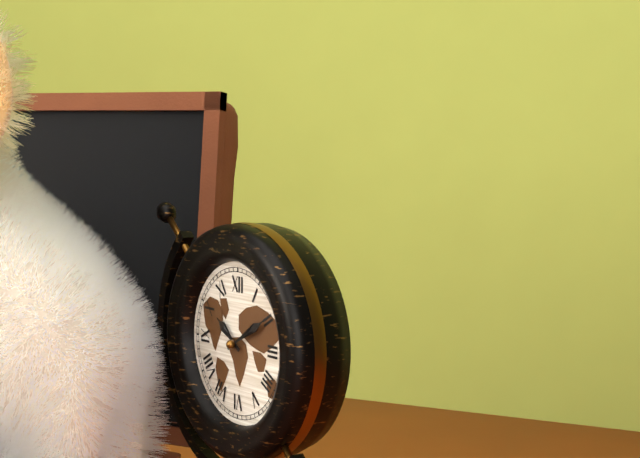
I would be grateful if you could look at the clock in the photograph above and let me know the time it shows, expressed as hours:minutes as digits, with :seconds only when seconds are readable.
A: 10:10
